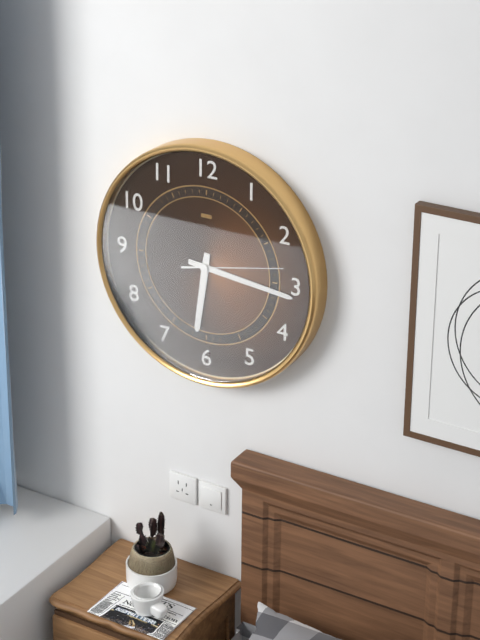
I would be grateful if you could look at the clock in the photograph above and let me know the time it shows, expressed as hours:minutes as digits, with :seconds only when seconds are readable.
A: 6:16:13
